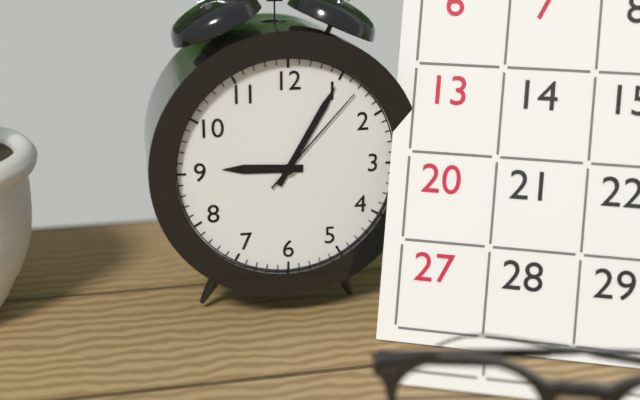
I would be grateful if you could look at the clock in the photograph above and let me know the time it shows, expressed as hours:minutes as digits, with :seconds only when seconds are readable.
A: 9:05:07
